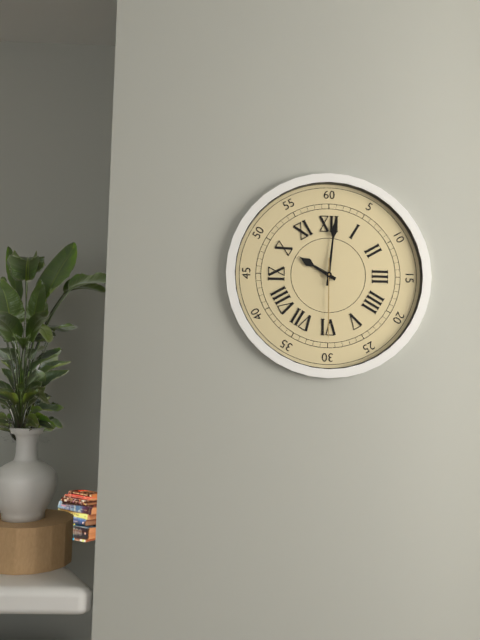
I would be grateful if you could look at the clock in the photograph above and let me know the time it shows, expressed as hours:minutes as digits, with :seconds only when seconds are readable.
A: 10:01:30
